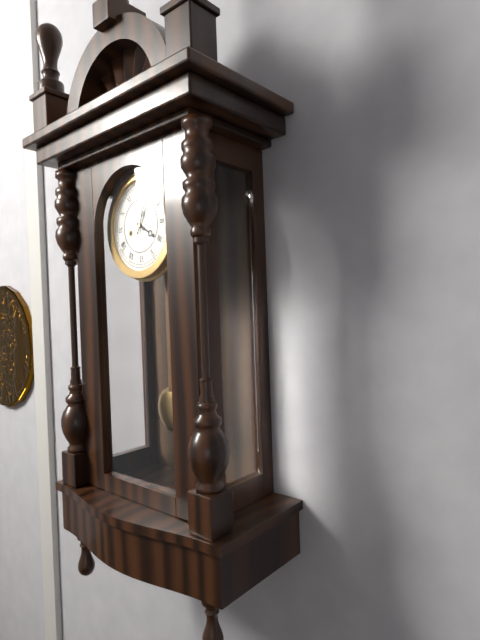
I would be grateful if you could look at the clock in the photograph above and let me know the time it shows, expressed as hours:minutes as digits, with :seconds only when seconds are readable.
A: 4:04
